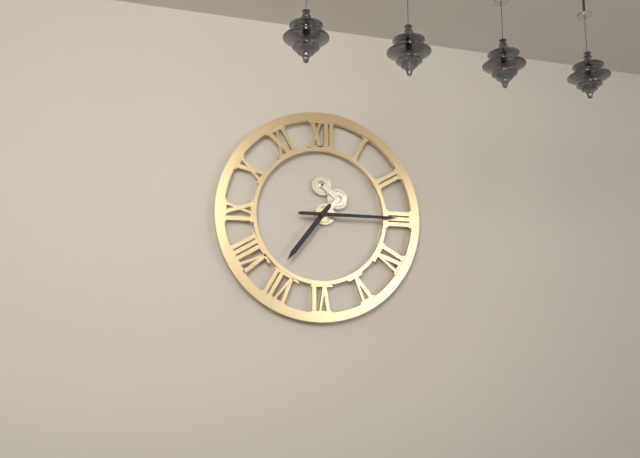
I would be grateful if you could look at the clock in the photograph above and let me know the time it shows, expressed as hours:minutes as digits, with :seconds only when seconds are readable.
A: 7:15
